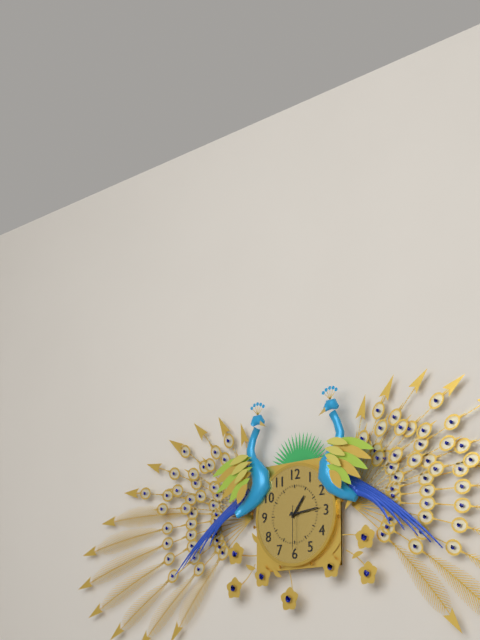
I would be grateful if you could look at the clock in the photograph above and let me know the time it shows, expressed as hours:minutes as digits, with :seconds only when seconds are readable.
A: 1:14
